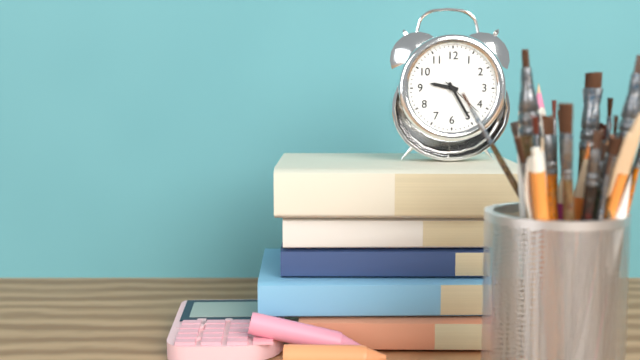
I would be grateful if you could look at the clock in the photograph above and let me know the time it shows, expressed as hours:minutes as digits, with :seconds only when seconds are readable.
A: 9:25
